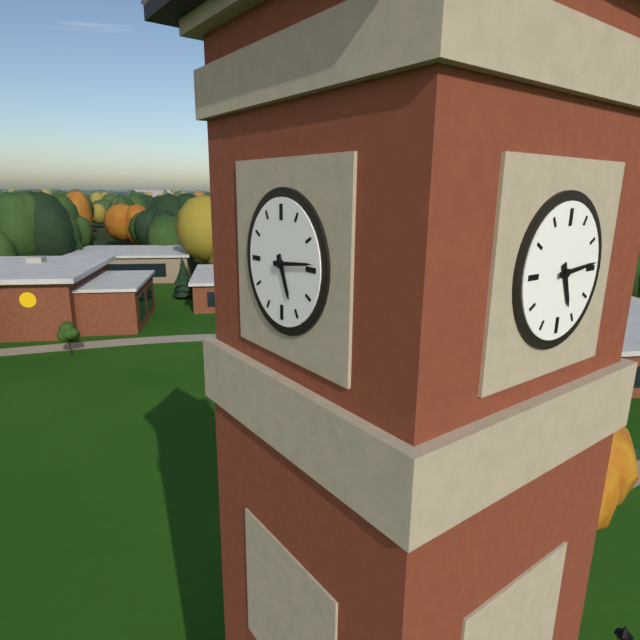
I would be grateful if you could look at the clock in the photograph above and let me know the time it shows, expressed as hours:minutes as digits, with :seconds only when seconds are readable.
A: 5:14
